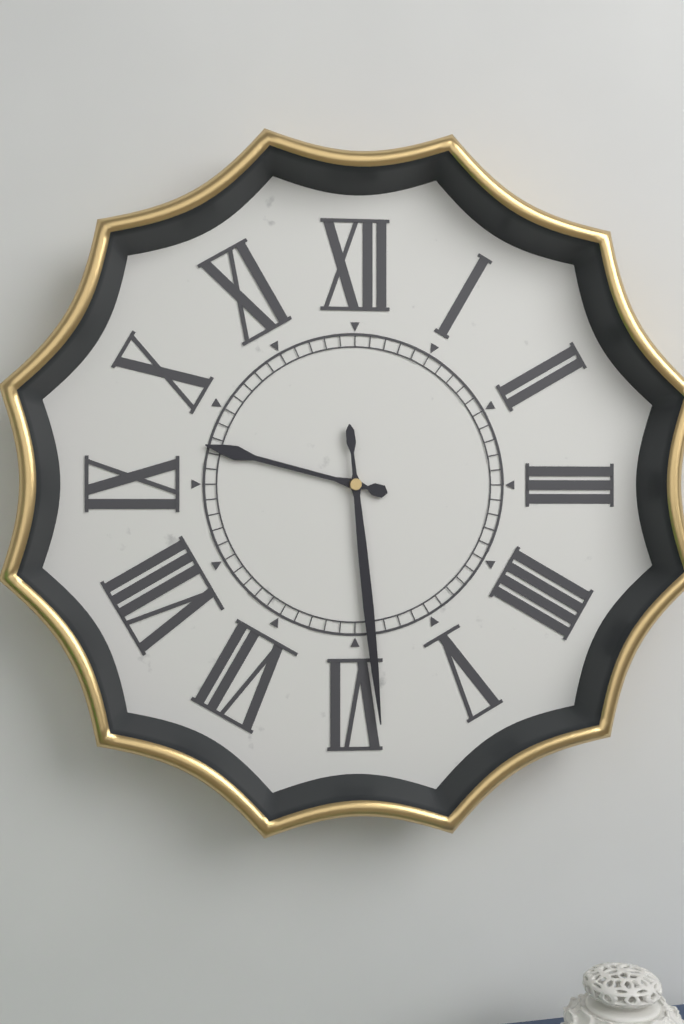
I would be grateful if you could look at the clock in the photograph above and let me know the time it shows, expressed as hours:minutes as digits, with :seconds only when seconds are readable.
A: 9:29
